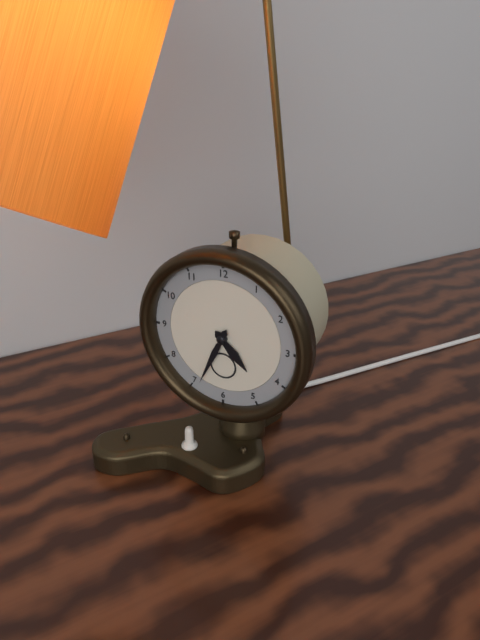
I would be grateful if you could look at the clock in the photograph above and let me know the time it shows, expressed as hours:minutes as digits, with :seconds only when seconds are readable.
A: 4:34
